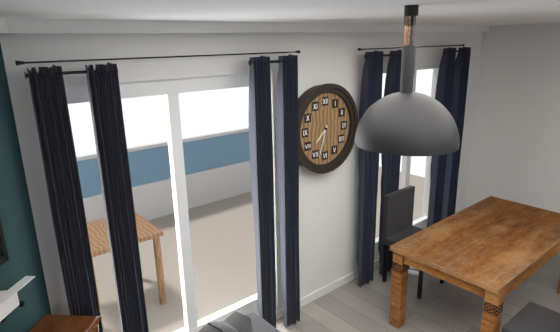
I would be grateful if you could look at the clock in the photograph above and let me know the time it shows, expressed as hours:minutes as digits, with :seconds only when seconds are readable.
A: 7:33
